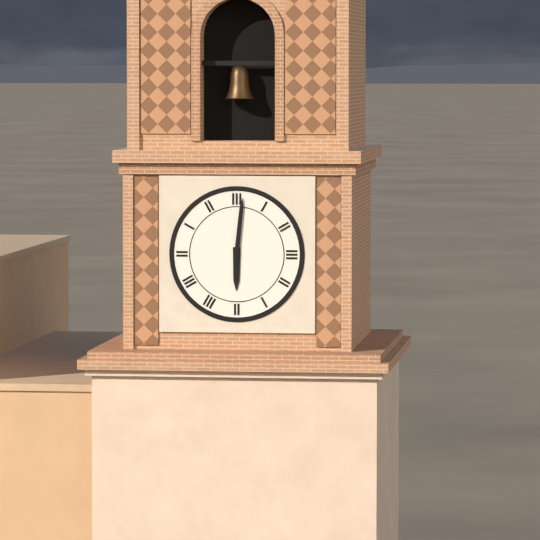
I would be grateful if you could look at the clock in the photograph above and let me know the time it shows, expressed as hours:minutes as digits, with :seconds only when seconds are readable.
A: 6:01
